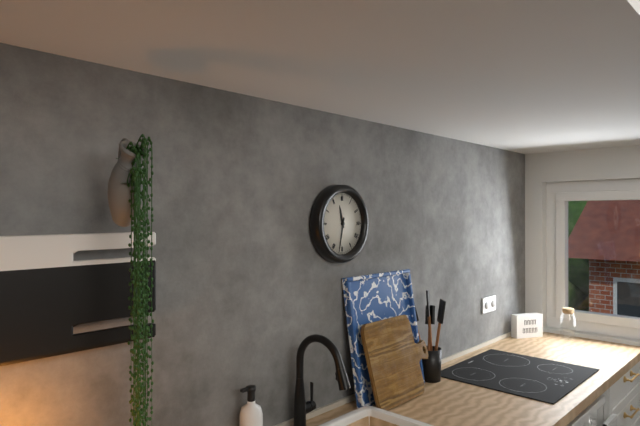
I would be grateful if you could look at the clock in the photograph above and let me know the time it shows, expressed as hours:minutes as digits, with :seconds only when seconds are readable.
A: 11:32
